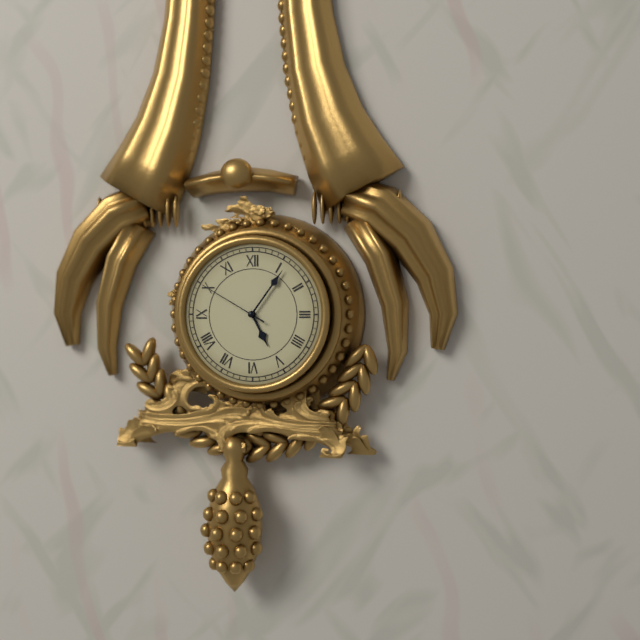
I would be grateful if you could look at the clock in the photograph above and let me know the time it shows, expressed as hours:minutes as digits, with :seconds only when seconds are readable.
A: 5:06:50
